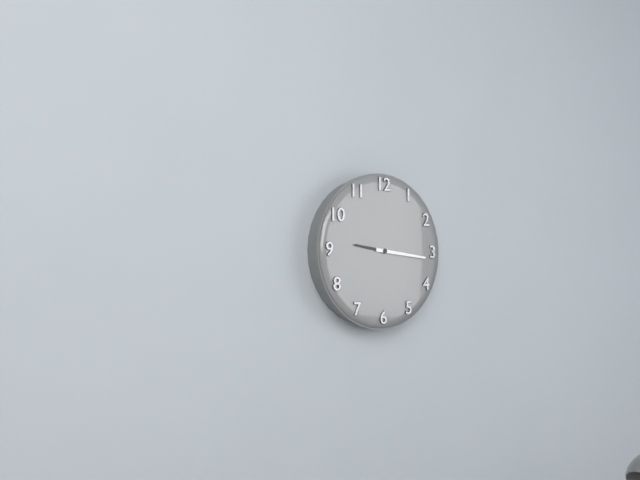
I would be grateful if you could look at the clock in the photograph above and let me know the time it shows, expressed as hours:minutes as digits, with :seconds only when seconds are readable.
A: 9:16
